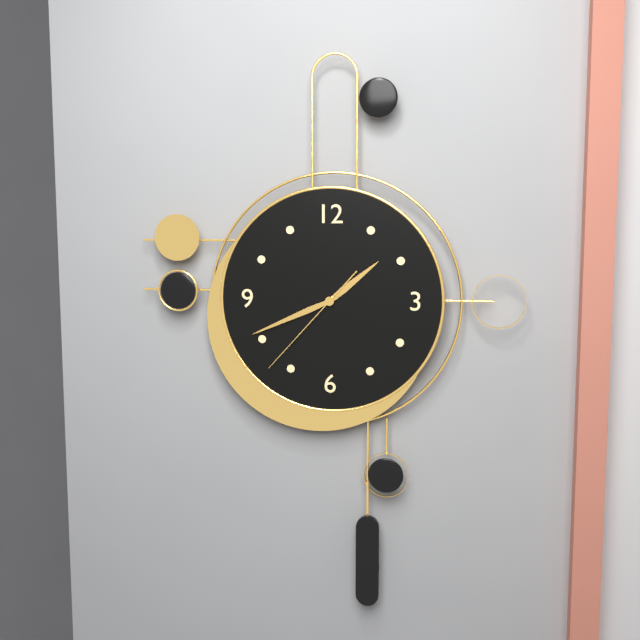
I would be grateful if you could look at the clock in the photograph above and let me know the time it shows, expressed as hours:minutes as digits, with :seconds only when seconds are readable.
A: 1:41:37
